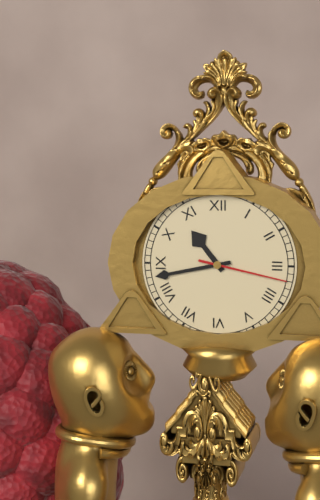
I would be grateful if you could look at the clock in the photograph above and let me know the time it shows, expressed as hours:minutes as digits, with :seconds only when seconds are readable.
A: 10:43:17
